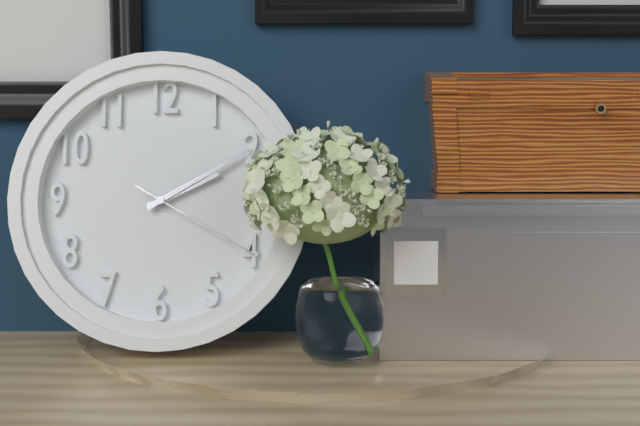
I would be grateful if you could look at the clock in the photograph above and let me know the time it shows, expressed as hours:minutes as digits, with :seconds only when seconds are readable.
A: 2:10:20
